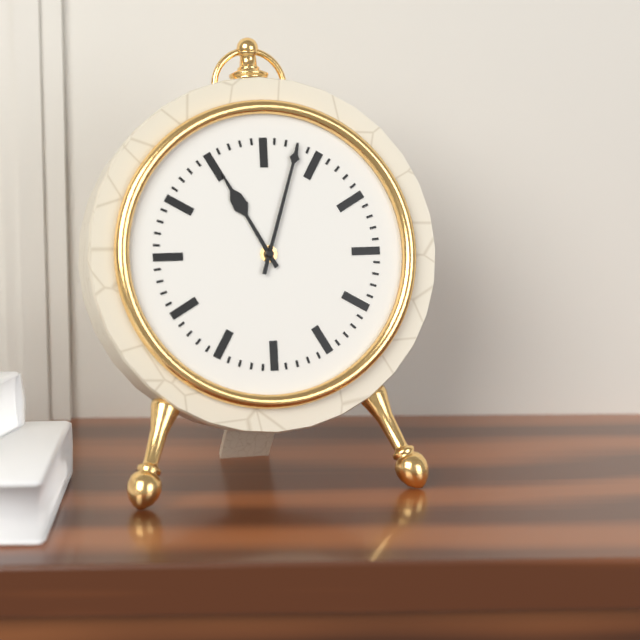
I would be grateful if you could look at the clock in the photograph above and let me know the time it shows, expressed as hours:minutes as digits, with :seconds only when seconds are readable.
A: 11:03
